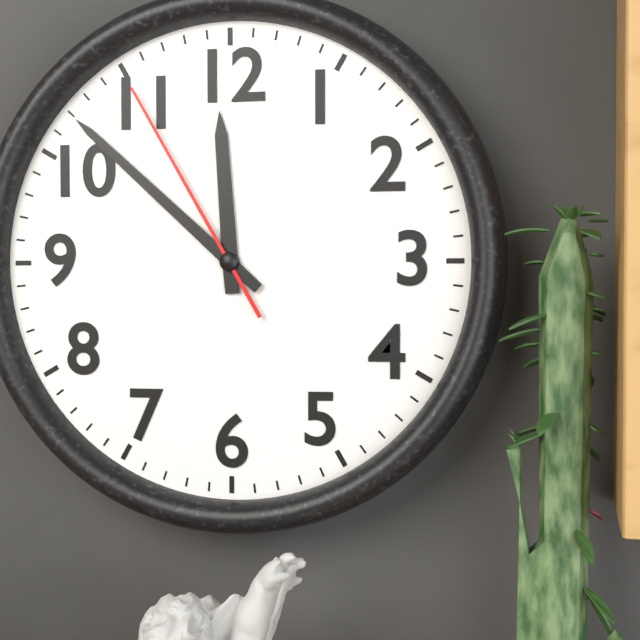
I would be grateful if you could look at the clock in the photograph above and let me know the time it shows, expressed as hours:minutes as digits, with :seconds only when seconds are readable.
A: 11:52:55
